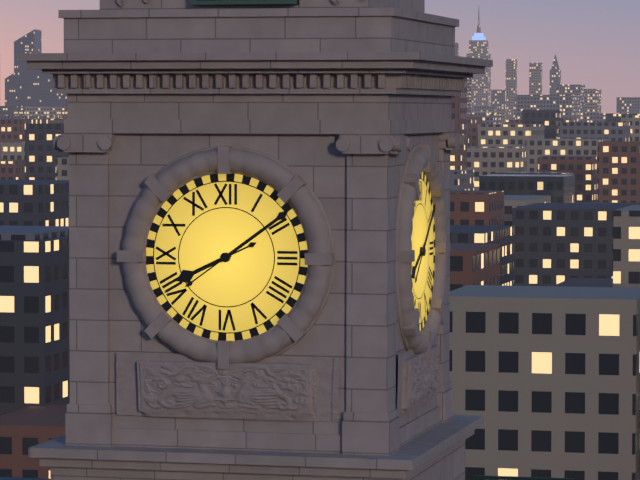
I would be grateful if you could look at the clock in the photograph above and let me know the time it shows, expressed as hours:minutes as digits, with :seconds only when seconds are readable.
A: 8:09
